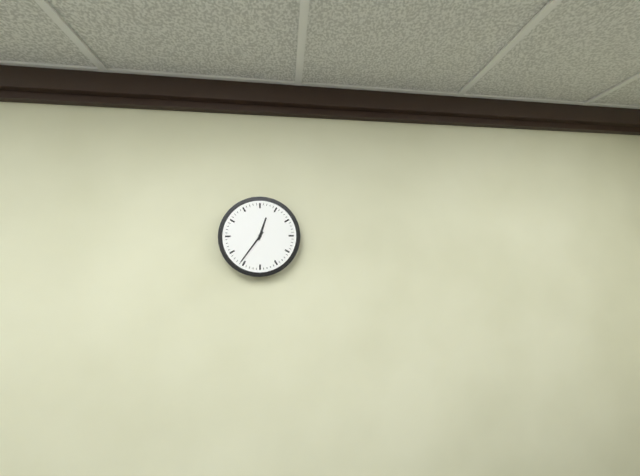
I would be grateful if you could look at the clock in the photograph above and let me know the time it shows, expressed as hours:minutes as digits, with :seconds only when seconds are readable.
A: 12:36
